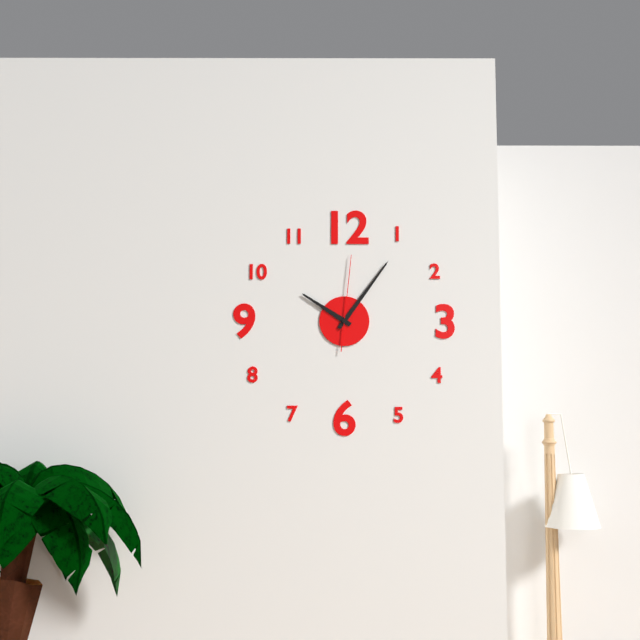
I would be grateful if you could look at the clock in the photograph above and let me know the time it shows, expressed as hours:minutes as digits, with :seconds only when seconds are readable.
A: 10:06:01
